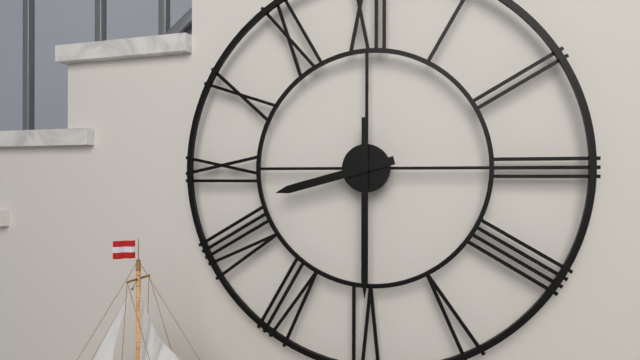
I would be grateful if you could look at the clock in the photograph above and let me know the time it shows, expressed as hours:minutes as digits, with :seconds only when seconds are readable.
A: 8:30
